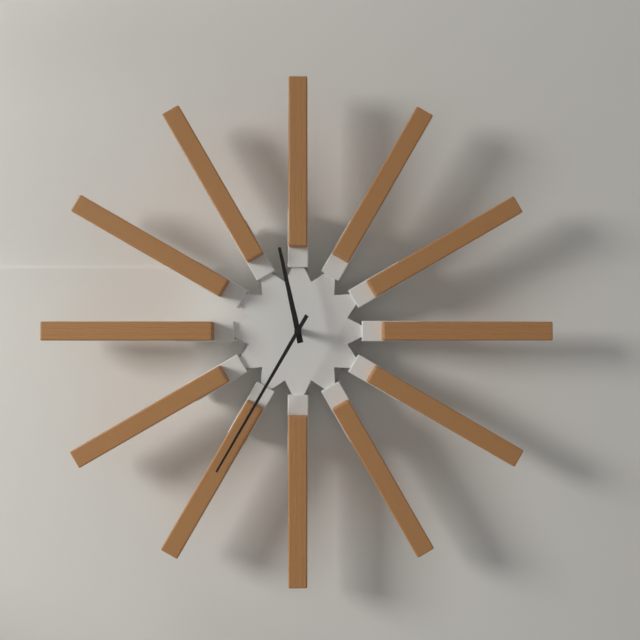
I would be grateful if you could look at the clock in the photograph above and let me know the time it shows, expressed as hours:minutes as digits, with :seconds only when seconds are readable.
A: 11:35
